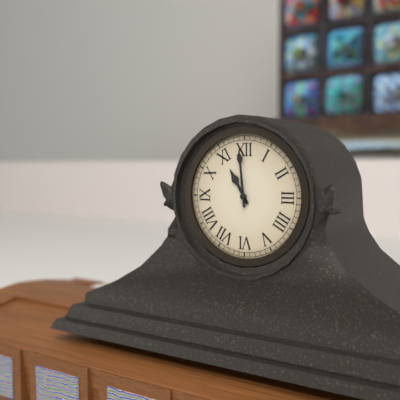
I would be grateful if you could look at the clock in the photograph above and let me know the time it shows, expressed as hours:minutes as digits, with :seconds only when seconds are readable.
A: 10:59
